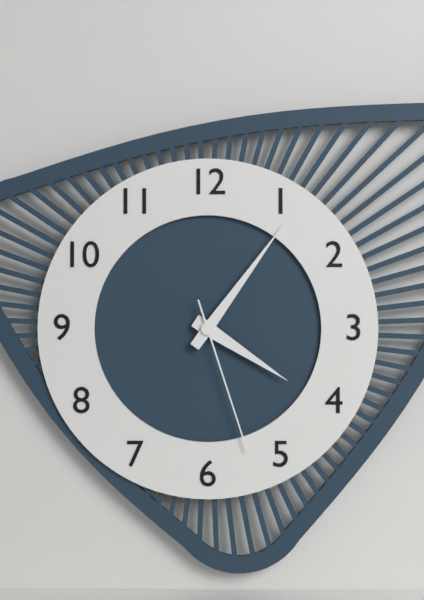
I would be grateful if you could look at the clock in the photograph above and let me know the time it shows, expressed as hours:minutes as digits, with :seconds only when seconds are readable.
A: 4:06:27
